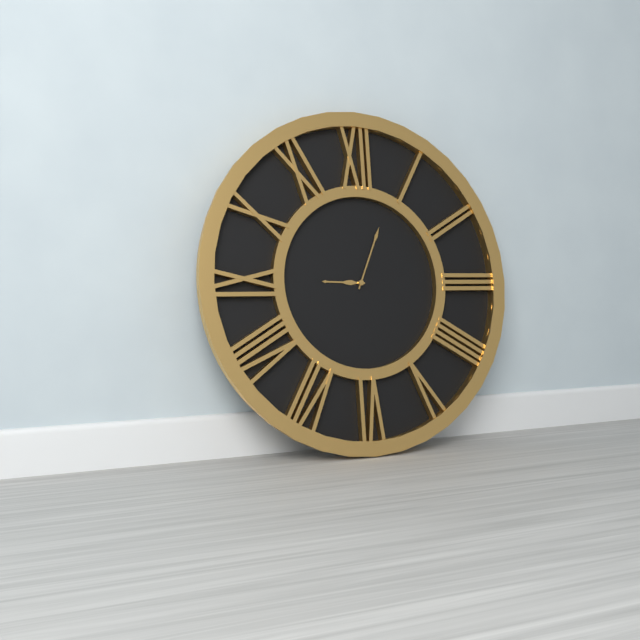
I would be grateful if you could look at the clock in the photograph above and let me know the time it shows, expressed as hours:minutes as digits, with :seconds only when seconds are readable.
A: 9:04
